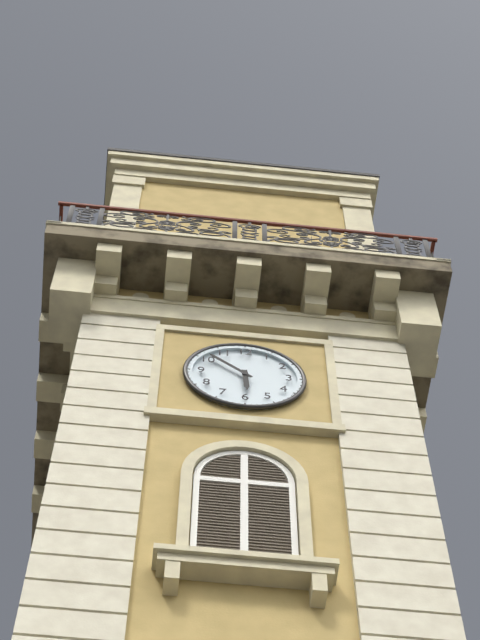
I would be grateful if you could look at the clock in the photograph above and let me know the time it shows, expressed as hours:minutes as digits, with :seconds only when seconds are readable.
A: 5:52
